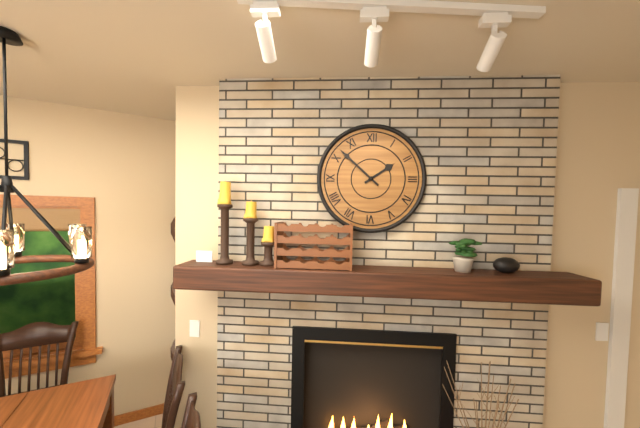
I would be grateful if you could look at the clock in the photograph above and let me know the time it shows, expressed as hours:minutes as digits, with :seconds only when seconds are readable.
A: 1:52
